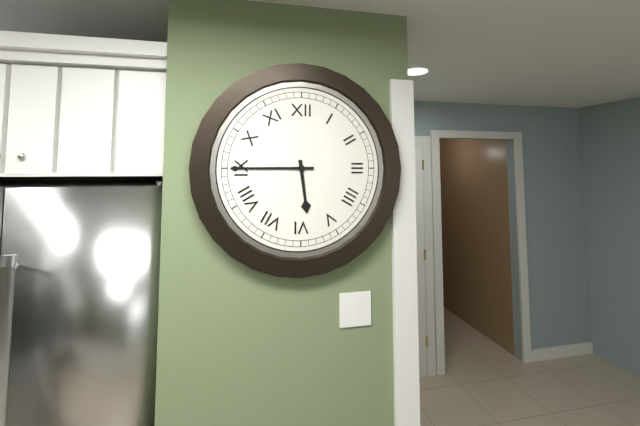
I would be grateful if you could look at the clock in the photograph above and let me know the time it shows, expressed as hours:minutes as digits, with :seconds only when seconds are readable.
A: 5:45
